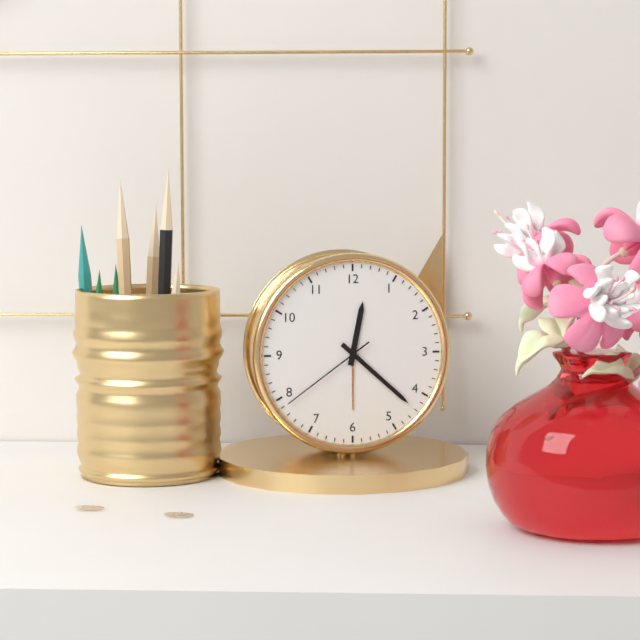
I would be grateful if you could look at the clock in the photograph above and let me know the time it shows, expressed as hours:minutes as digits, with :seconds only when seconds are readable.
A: 12:22:39
